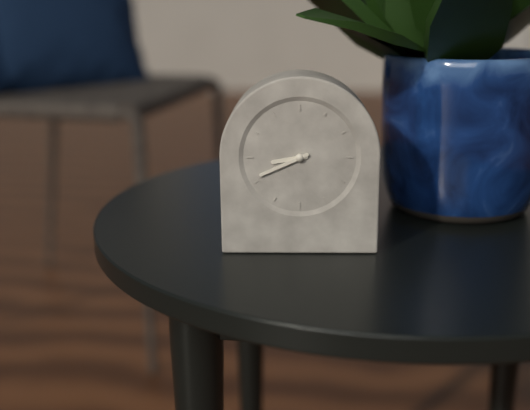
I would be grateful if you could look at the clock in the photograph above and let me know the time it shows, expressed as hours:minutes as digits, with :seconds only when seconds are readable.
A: 8:41
